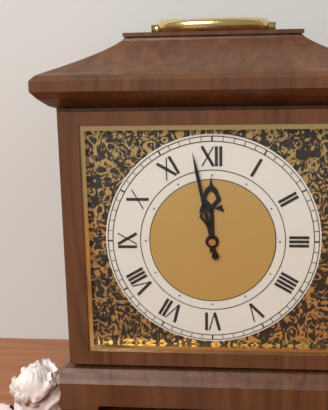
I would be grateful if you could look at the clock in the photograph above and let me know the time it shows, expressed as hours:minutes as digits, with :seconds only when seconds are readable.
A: 11:58
